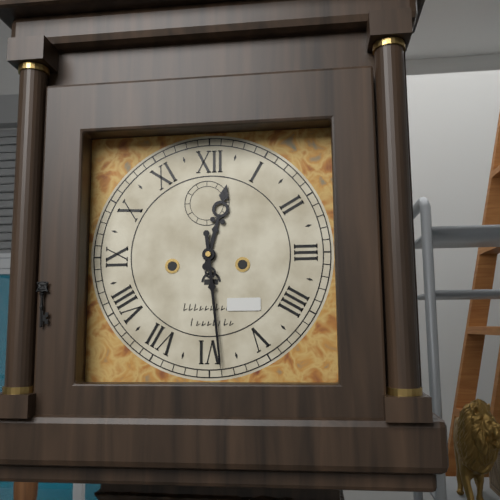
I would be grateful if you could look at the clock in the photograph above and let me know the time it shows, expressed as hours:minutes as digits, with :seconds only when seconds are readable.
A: 12:29
